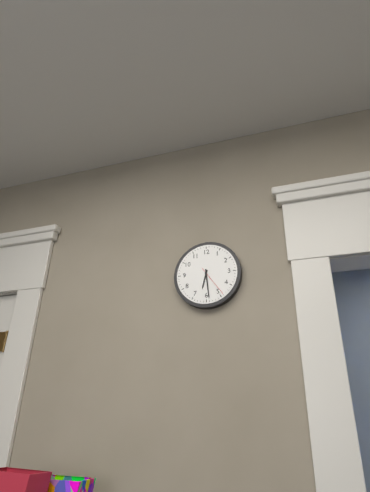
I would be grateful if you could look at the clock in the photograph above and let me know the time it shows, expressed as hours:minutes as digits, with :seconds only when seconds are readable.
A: 6:29
